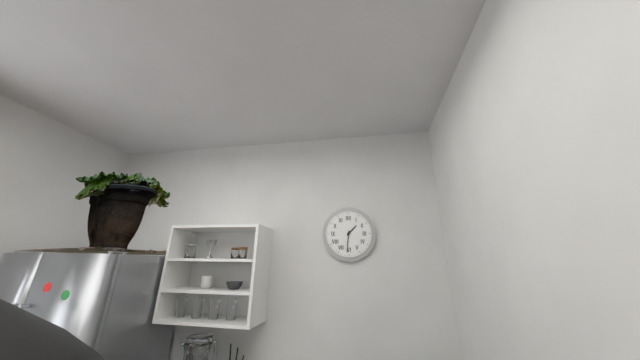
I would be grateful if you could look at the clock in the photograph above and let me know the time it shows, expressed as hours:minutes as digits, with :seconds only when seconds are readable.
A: 1:31
